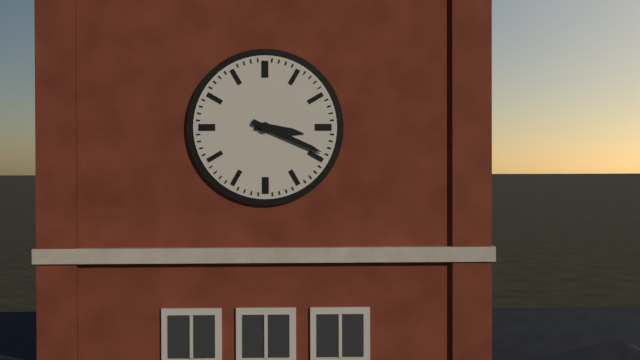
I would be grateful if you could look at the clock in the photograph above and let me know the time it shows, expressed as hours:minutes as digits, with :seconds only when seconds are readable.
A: 3:19
